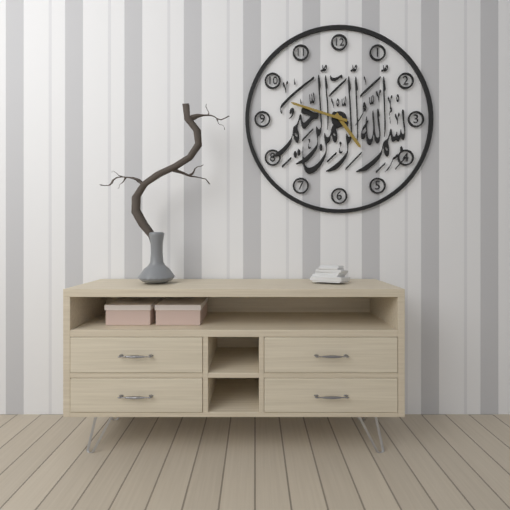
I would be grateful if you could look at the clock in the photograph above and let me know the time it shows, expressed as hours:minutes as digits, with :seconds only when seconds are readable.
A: 4:48
